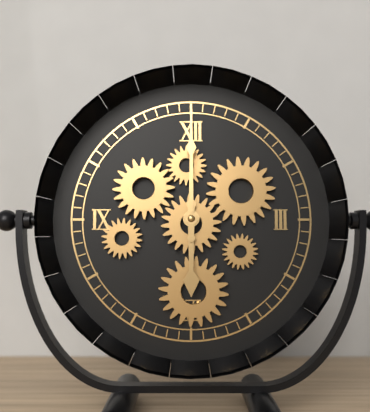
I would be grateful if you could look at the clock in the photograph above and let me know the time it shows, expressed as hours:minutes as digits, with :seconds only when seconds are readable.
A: 6:00
